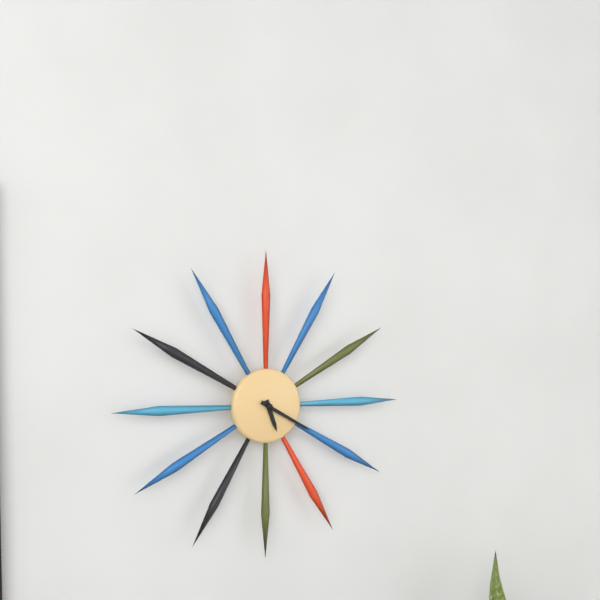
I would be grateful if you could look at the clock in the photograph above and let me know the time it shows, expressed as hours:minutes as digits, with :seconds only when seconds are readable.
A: 5:20
